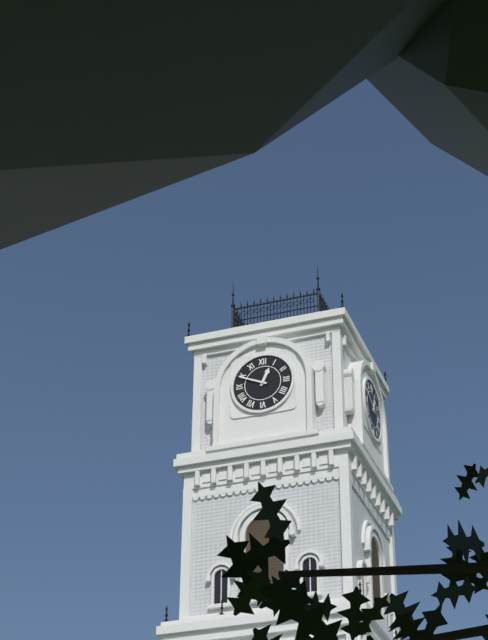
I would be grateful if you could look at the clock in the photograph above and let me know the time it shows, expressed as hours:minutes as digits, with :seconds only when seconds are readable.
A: 12:49
